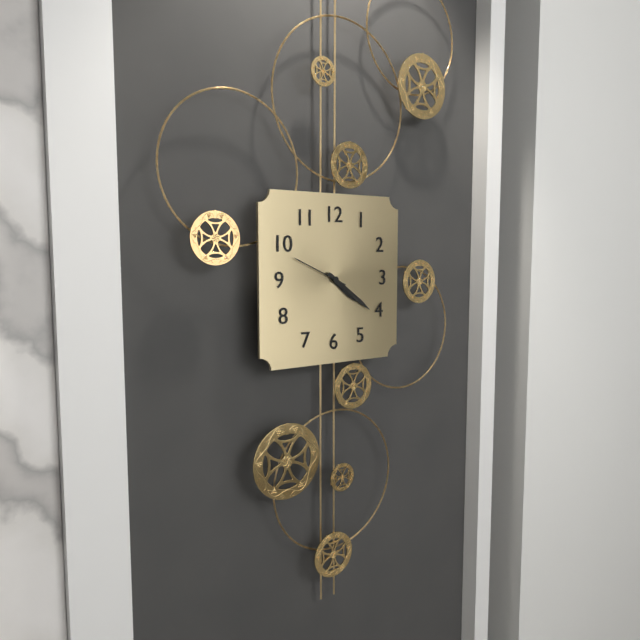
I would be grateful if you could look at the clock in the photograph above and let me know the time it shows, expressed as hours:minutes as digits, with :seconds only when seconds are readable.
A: 4:21:49
